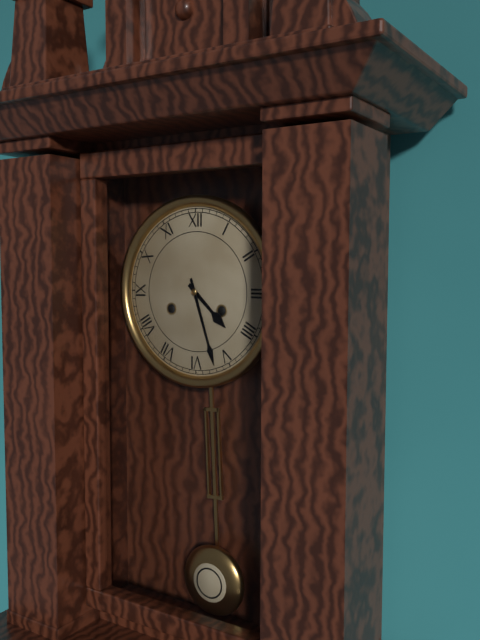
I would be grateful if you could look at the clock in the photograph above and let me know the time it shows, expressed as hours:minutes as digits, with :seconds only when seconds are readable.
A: 4:27
